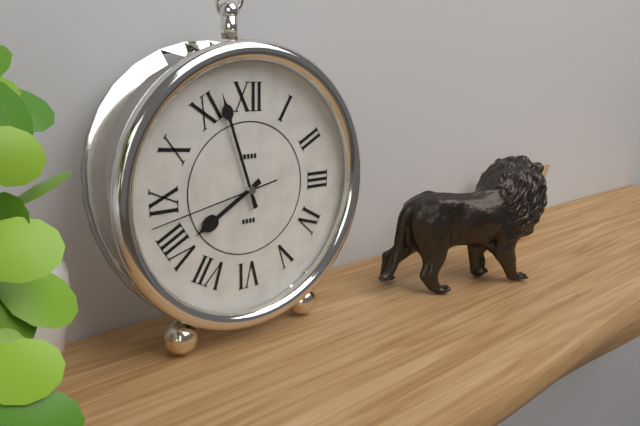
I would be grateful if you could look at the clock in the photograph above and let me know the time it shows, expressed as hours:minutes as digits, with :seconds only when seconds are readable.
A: 7:57:43
